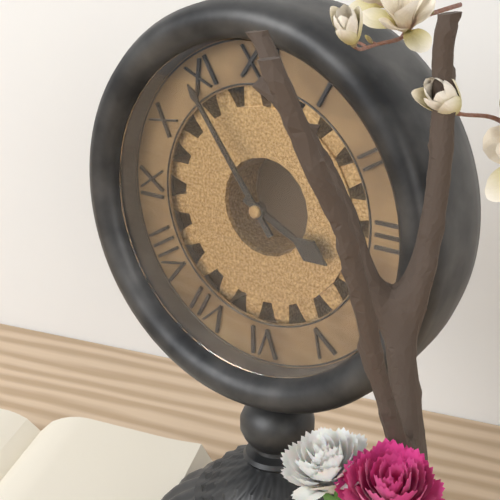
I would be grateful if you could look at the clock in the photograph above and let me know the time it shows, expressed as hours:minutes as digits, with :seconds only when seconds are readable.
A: 3:54
